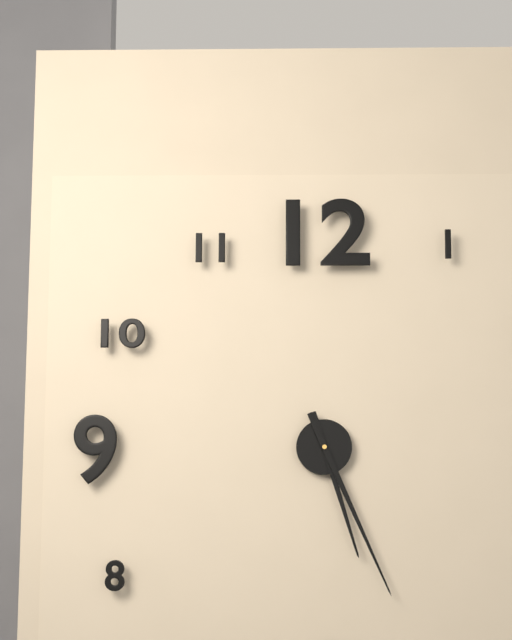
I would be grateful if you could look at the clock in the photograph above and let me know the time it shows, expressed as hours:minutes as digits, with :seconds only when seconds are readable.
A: 5:26
